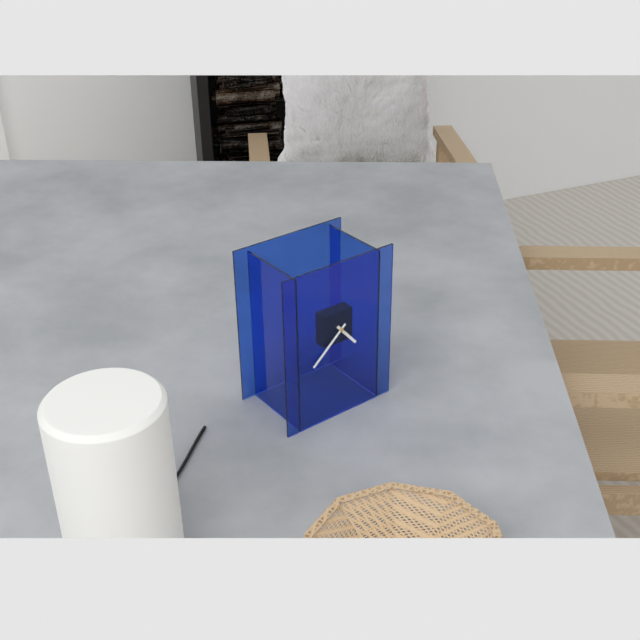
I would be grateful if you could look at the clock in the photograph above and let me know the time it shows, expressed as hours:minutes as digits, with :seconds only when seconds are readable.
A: 4:38
